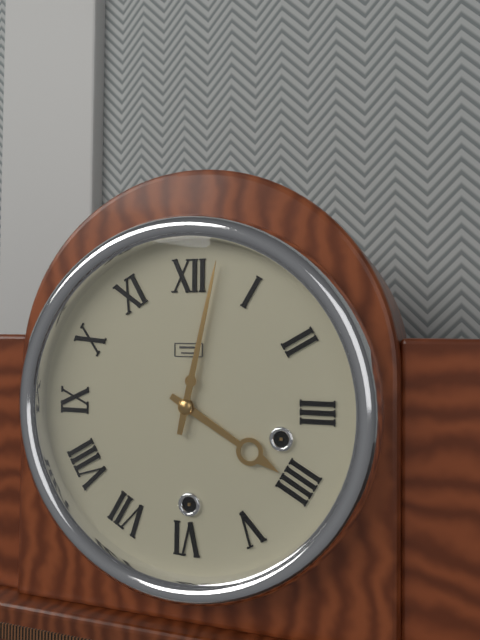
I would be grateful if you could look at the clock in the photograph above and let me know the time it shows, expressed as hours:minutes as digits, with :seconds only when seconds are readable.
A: 4:02
